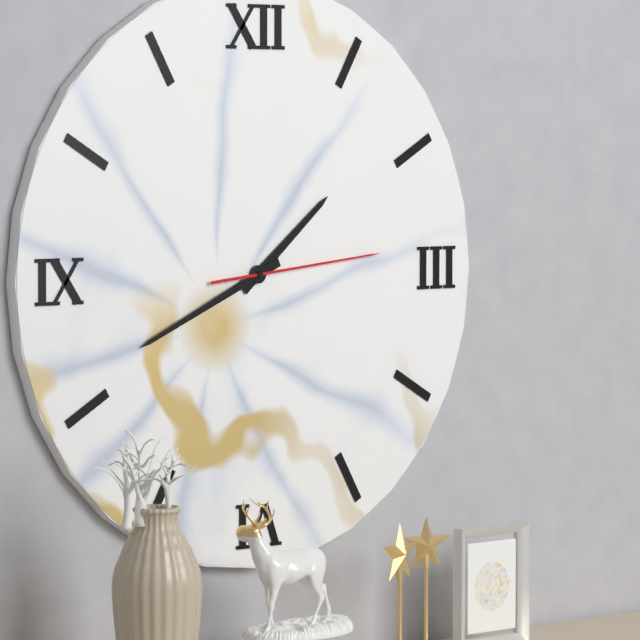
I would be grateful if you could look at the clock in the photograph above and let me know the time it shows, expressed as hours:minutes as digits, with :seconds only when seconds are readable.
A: 1:41:14
